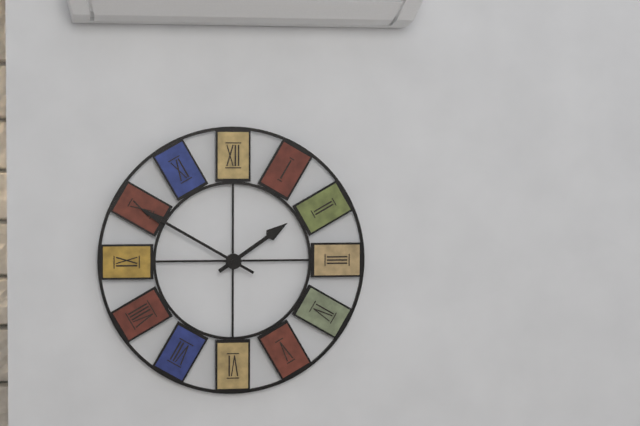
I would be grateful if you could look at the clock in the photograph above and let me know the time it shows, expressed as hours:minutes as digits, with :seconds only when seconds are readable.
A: 1:50
